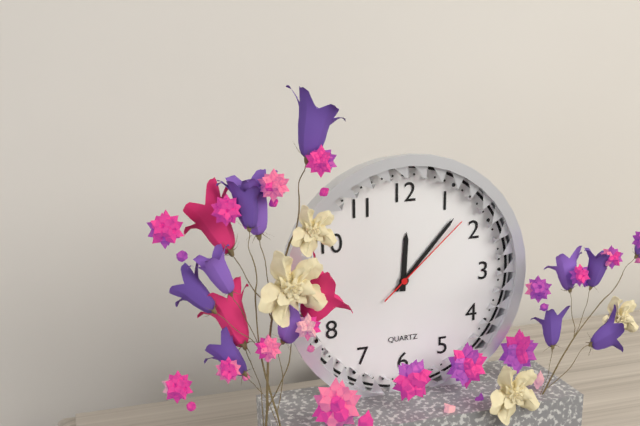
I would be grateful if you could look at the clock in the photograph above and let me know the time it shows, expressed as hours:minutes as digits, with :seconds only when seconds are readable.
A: 12:07:08
